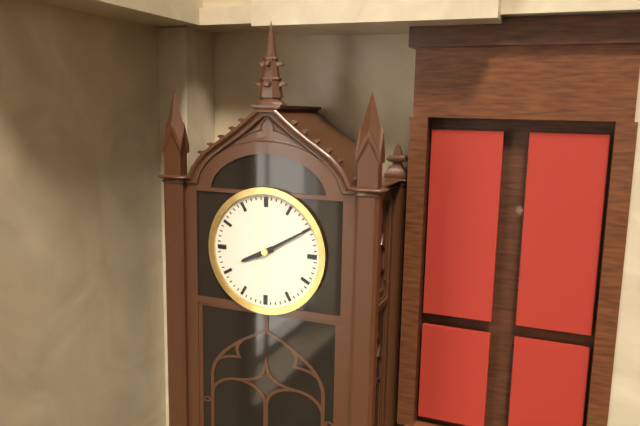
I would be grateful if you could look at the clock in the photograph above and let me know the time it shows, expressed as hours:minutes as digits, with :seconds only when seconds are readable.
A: 8:10
